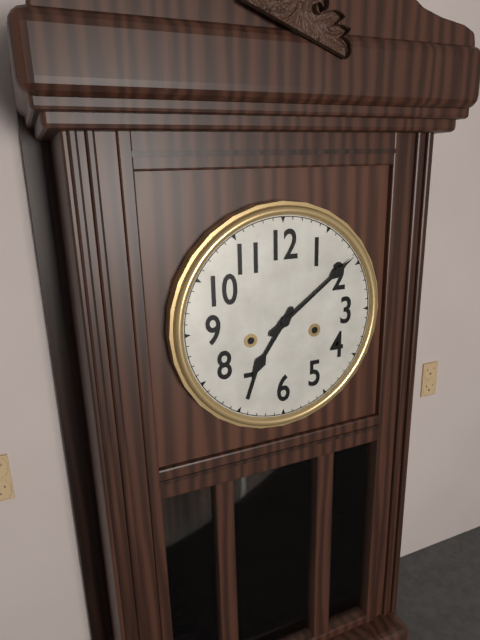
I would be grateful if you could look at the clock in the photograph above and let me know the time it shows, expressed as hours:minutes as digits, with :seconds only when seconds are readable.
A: 7:09
